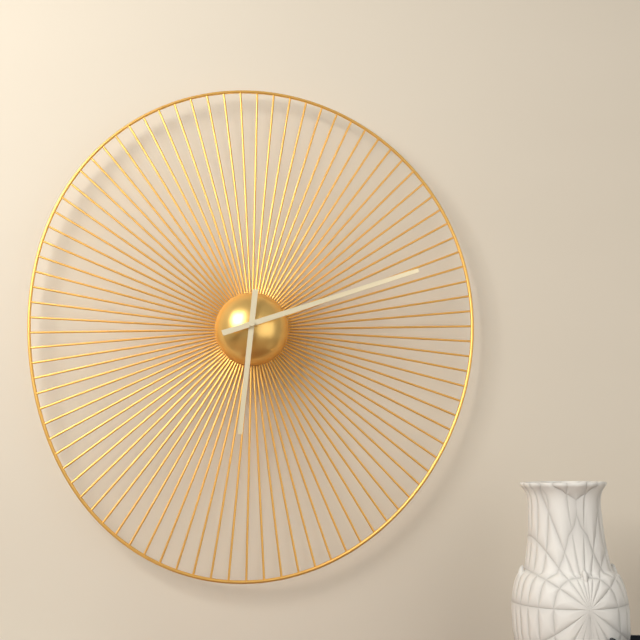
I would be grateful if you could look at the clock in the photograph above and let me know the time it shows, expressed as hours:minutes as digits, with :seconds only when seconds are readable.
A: 6:12
